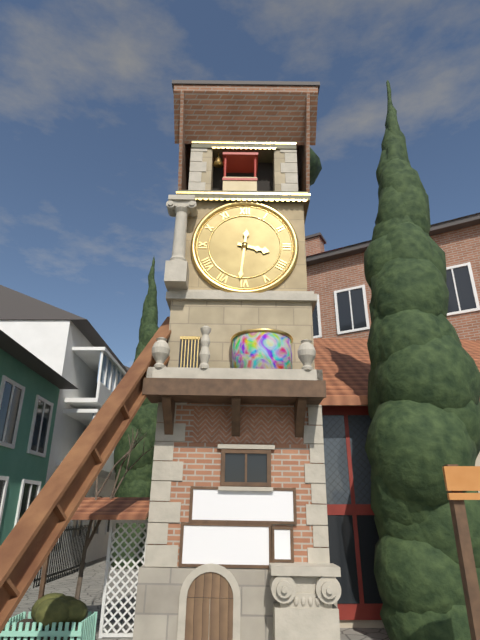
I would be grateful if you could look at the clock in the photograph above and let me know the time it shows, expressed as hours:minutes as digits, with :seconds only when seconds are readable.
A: 3:31
